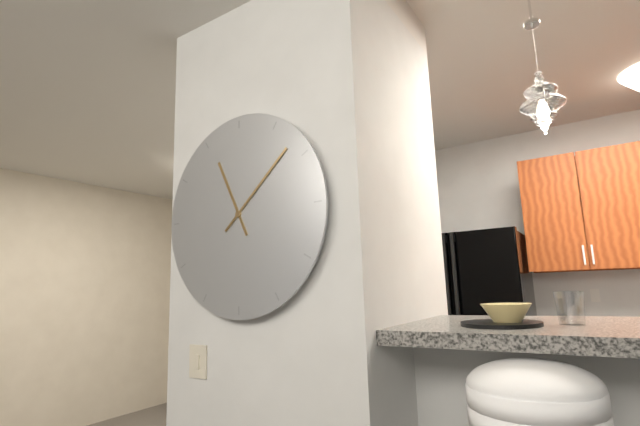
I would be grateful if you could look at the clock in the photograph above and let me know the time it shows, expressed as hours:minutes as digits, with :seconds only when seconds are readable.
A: 11:08
